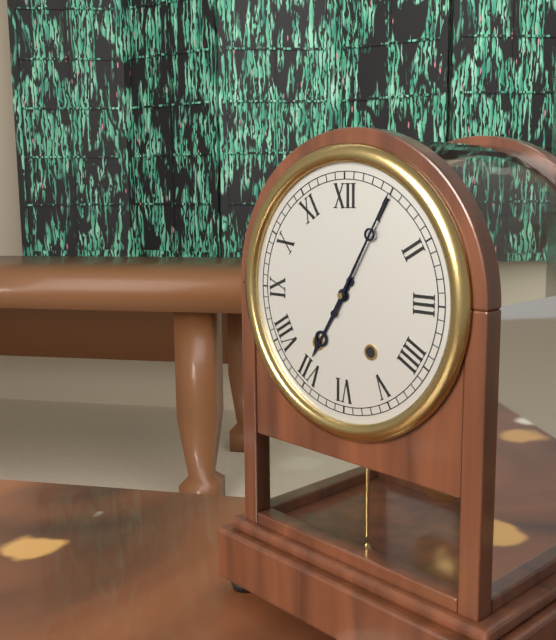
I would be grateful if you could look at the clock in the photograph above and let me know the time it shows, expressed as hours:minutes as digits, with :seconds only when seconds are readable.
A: 7:05
